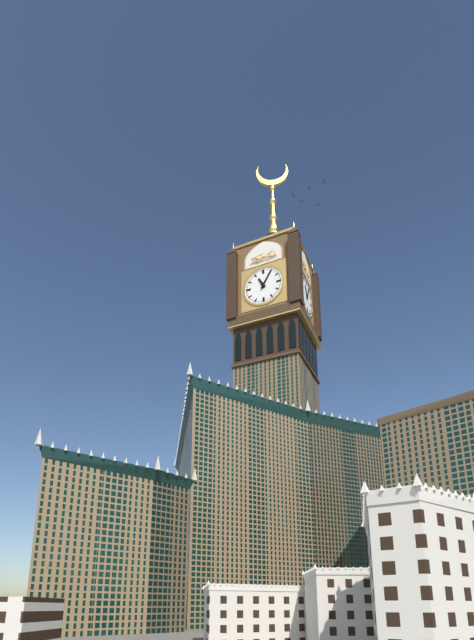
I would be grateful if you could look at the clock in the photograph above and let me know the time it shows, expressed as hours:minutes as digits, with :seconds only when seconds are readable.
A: 11:05
